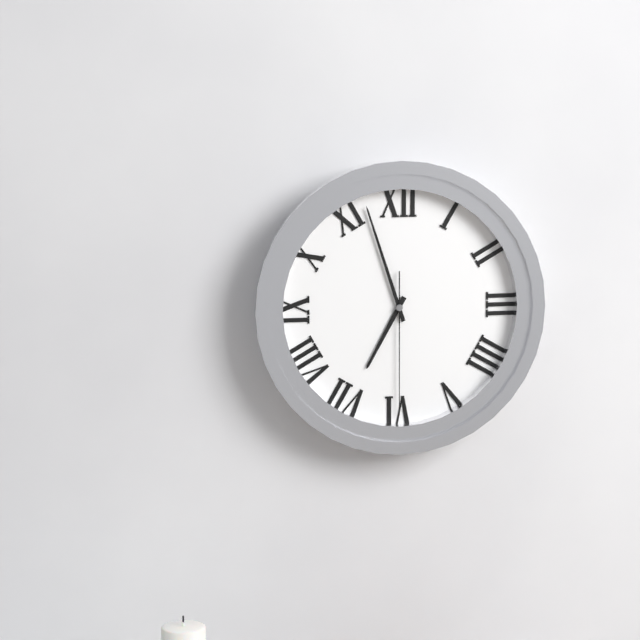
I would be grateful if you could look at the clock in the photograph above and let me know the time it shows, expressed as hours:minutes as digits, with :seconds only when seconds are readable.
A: 6:57:30
